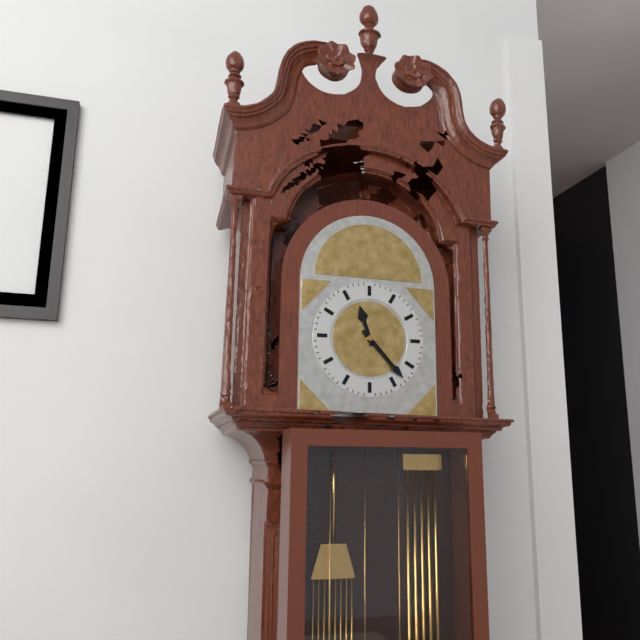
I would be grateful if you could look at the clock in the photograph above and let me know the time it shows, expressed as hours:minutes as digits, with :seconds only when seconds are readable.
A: 11:23
